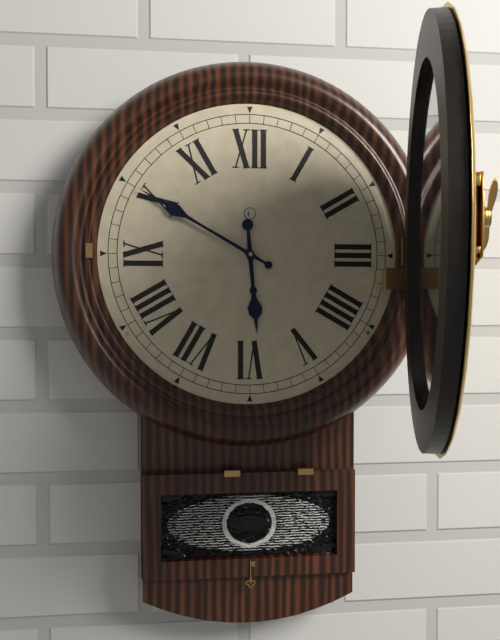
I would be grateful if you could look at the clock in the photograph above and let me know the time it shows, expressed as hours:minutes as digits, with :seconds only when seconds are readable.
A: 5:50
